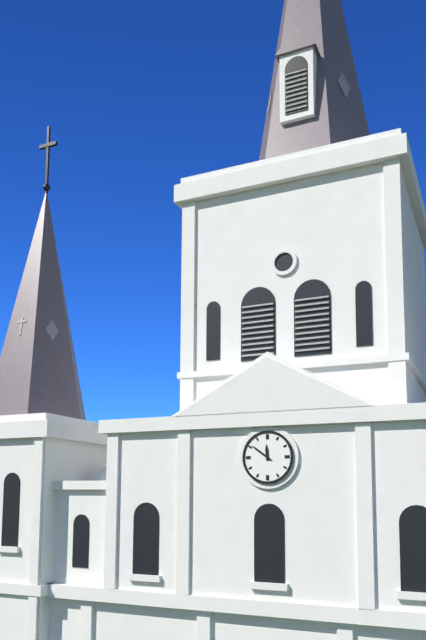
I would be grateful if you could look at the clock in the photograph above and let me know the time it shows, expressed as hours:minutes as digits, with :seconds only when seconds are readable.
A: 11:51
